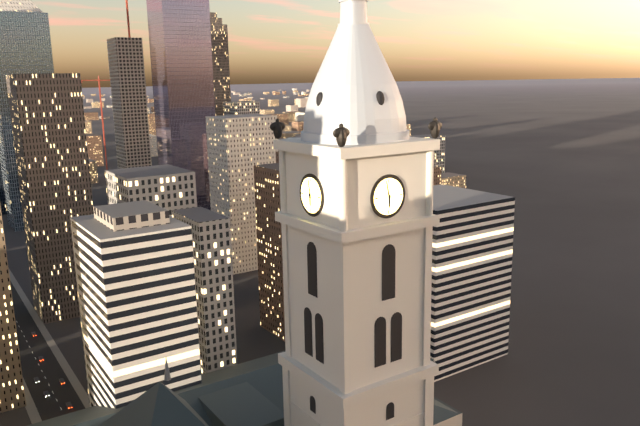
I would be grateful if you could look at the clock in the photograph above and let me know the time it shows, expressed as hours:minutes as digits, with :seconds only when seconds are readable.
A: 5:58
